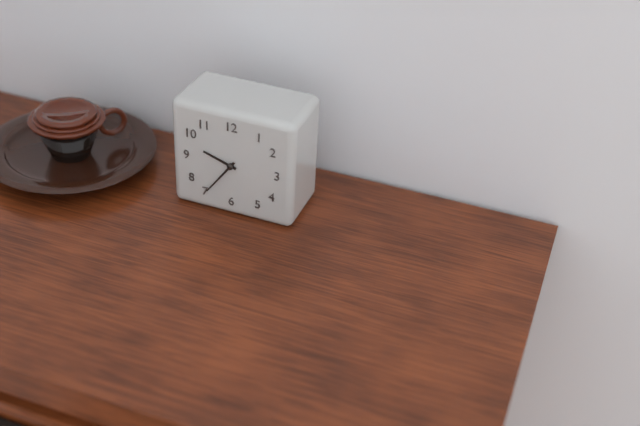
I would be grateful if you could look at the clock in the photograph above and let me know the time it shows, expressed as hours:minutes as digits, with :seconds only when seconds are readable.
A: 9:36
